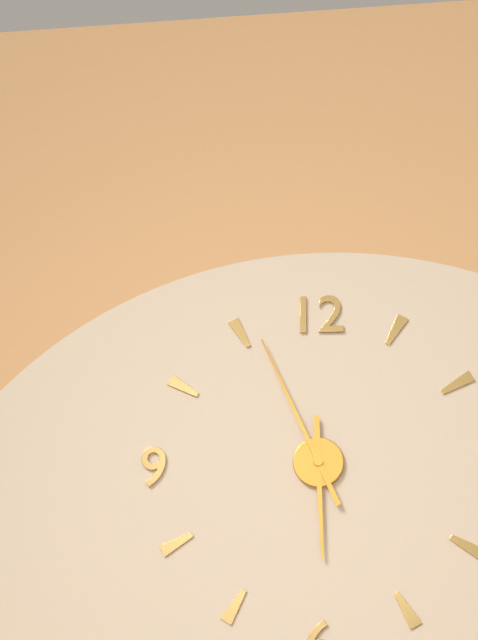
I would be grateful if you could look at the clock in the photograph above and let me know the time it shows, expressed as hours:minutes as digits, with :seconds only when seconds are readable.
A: 5:56
